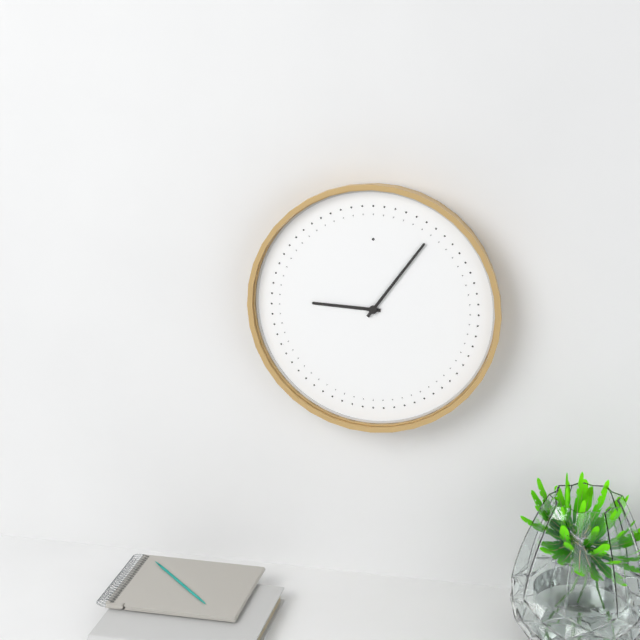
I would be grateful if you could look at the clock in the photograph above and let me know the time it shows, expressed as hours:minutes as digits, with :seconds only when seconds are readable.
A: 9:06
